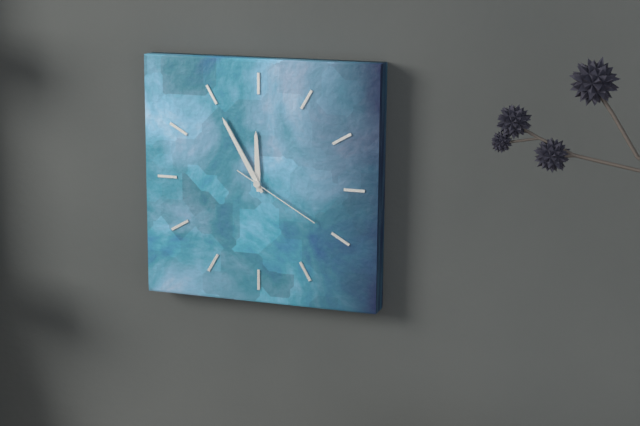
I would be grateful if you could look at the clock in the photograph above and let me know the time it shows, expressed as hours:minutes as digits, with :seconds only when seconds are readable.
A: 11:55:20
